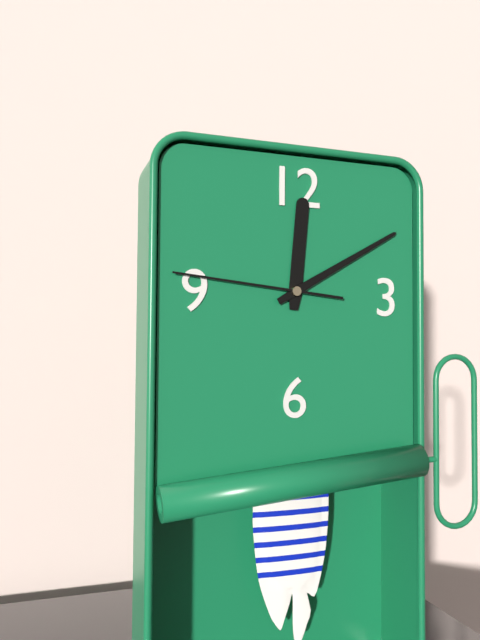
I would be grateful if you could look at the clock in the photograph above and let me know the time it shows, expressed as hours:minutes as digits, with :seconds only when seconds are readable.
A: 12:10:46
